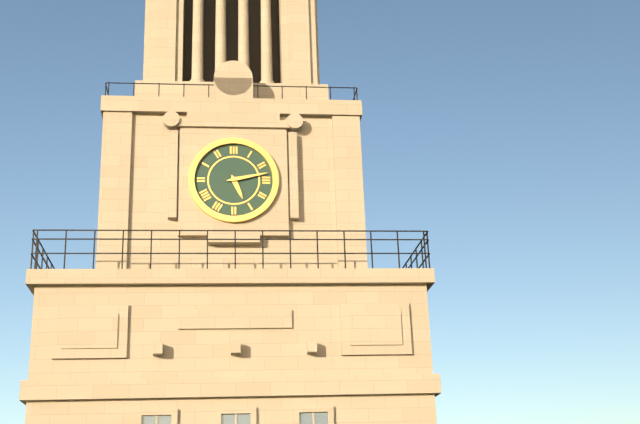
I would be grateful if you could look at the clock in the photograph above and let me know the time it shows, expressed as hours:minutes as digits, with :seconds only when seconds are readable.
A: 5:13
